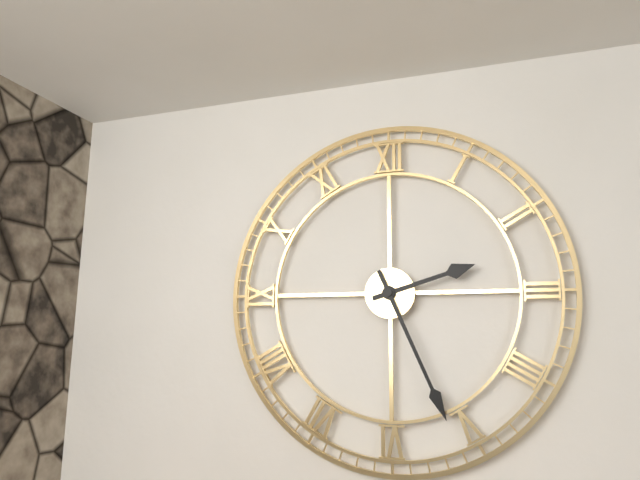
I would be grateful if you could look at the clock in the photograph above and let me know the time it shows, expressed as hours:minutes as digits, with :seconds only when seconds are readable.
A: 2:26
